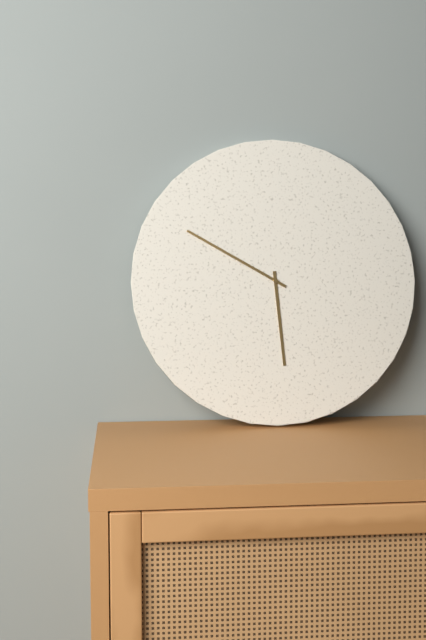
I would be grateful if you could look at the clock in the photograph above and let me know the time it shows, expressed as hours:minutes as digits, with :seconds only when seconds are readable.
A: 5:50
